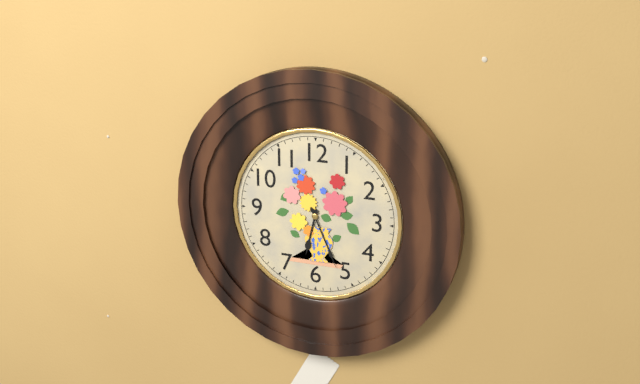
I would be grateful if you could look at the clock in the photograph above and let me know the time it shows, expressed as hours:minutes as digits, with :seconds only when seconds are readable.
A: 6:26
